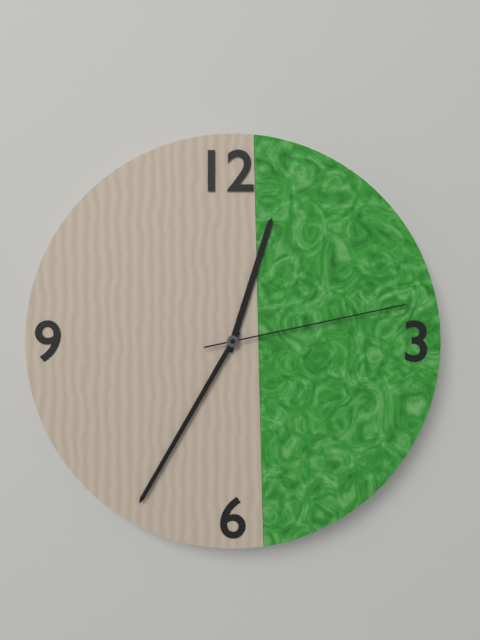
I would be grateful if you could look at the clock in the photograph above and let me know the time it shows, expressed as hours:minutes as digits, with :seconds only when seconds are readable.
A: 12:35:13
